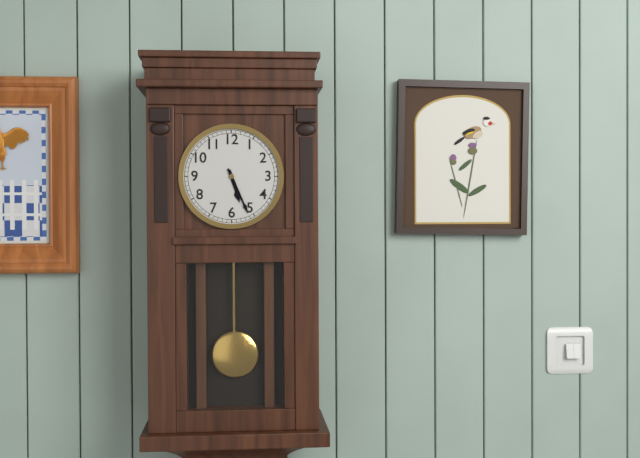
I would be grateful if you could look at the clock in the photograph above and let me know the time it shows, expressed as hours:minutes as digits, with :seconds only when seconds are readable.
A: 5:26
